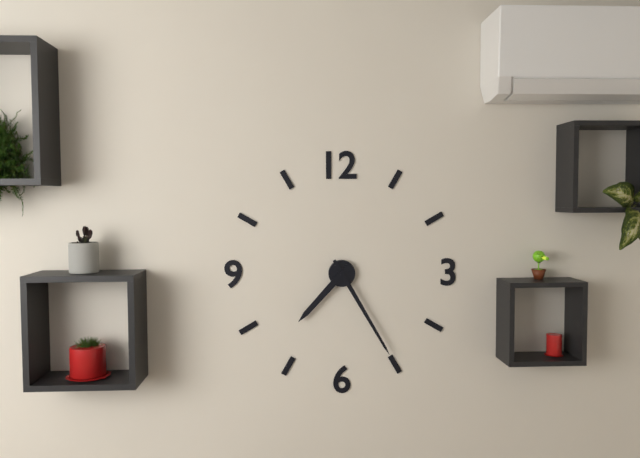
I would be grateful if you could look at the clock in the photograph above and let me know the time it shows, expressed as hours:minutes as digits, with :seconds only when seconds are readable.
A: 7:25
